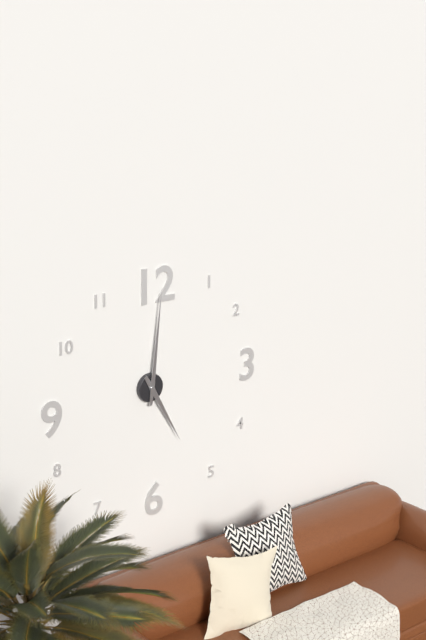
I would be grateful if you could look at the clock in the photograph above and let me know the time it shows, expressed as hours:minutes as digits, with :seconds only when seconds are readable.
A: 5:01
